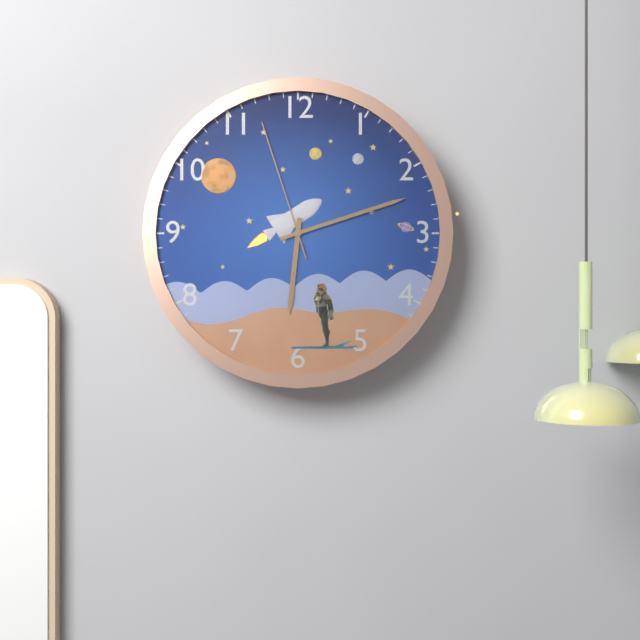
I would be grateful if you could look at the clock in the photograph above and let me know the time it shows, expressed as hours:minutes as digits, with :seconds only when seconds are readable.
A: 6:12:57
